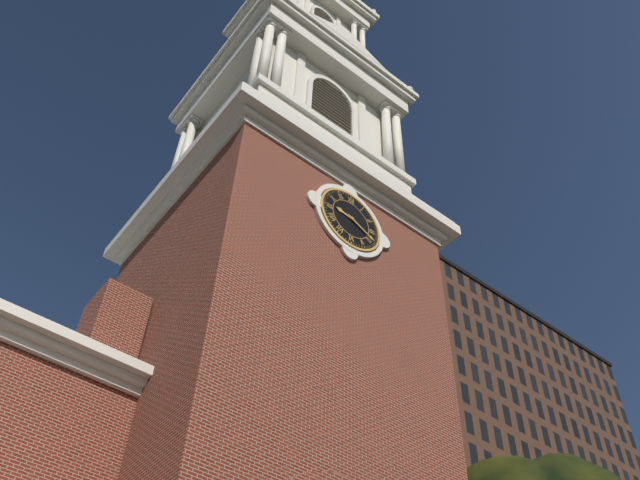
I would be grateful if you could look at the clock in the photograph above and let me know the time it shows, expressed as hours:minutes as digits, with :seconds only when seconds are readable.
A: 9:19
